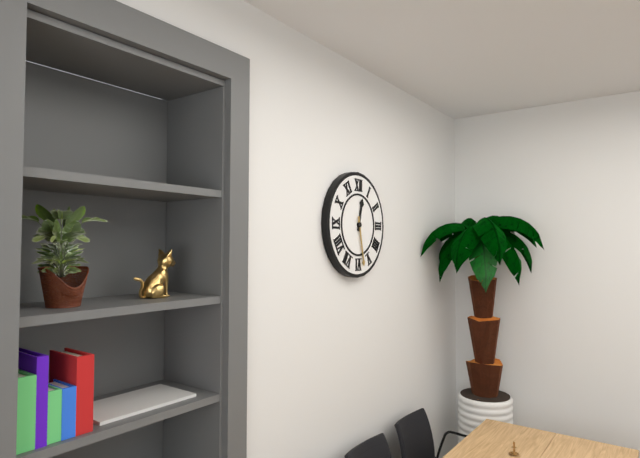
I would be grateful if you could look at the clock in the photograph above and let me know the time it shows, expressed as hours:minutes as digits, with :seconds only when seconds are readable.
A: 12:28
